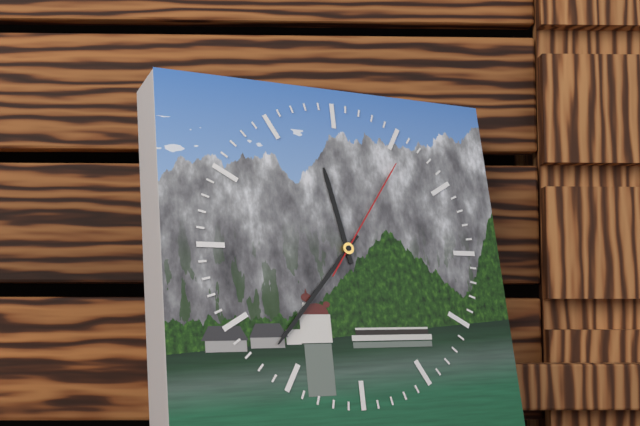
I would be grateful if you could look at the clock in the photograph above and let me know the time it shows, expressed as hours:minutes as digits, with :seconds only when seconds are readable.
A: 11:37:06
